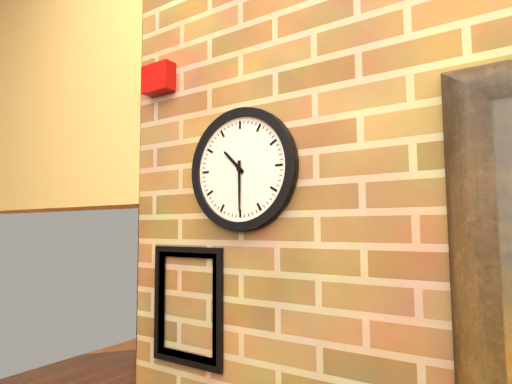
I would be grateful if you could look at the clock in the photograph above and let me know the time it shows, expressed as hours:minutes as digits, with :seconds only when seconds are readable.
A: 10:30
